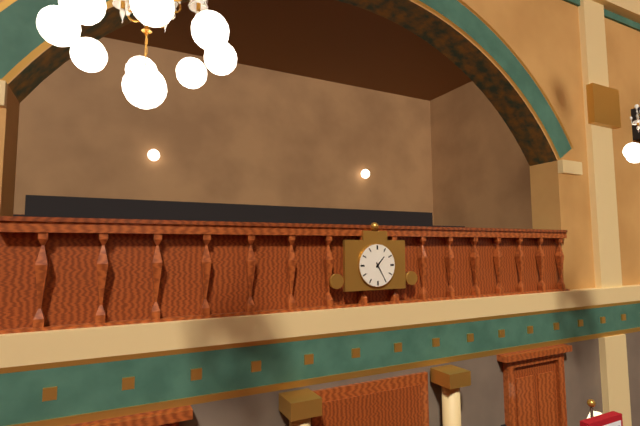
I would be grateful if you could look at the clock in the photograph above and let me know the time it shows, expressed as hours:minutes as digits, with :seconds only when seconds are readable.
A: 1:25
